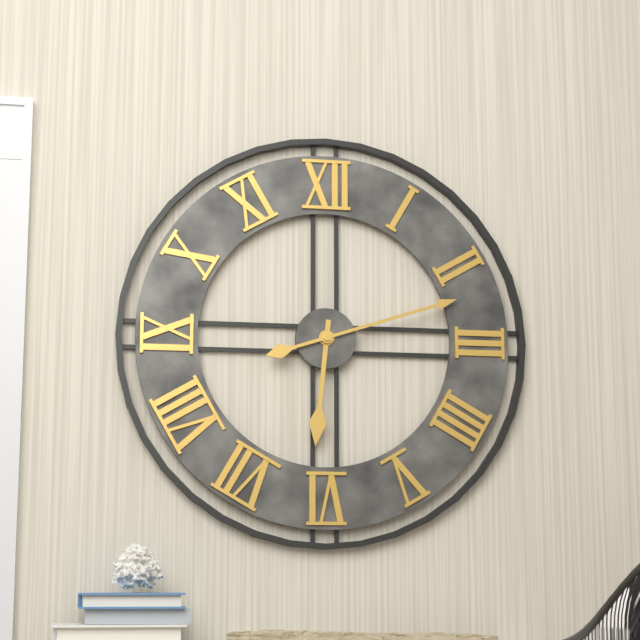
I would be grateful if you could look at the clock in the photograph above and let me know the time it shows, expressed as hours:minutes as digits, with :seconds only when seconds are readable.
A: 6:12
